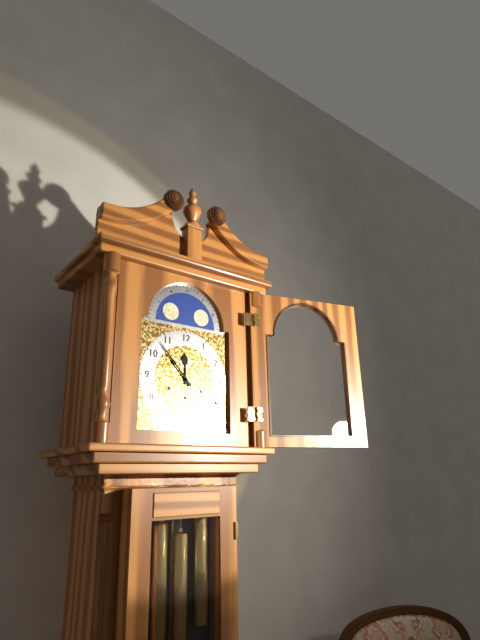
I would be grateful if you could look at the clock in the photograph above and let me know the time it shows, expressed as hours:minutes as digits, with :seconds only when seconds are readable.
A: 11:53
